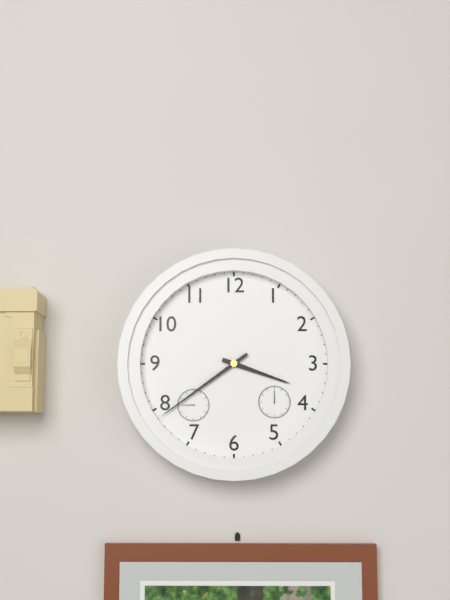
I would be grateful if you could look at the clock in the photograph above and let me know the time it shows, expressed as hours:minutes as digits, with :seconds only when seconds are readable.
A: 3:39
